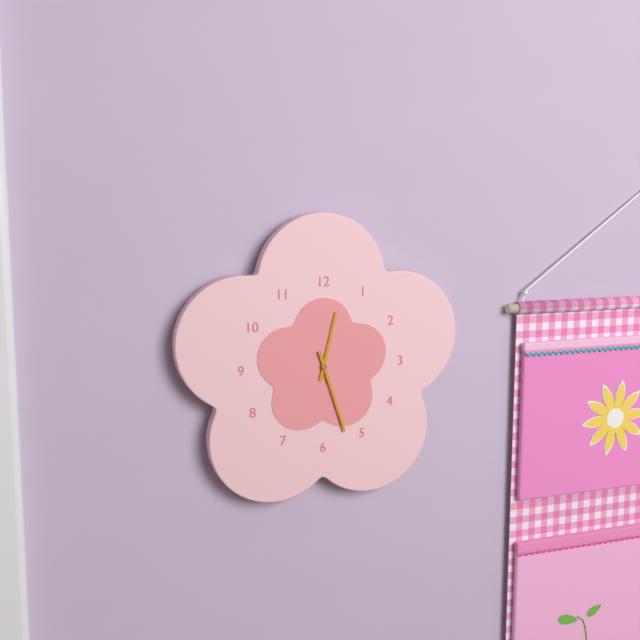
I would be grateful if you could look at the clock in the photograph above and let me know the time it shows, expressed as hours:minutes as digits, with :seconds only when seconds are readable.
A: 12:27
